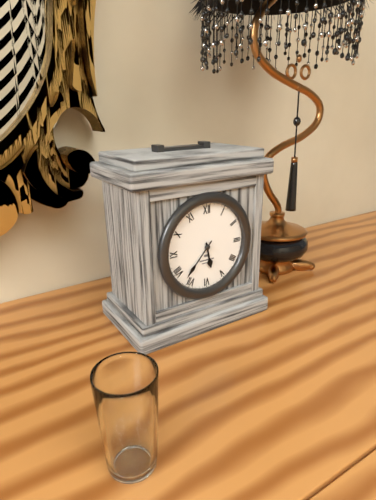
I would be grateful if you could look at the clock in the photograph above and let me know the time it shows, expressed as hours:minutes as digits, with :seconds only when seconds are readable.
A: 5:37
